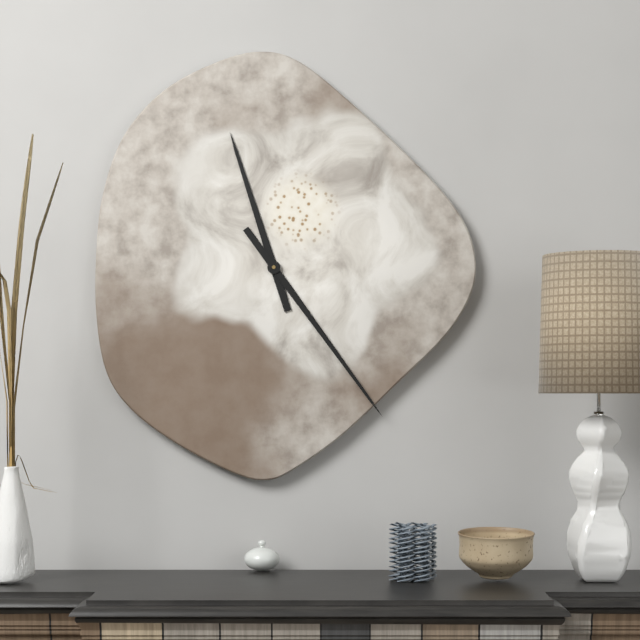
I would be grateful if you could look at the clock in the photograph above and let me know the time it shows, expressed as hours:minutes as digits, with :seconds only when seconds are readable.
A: 11:24
